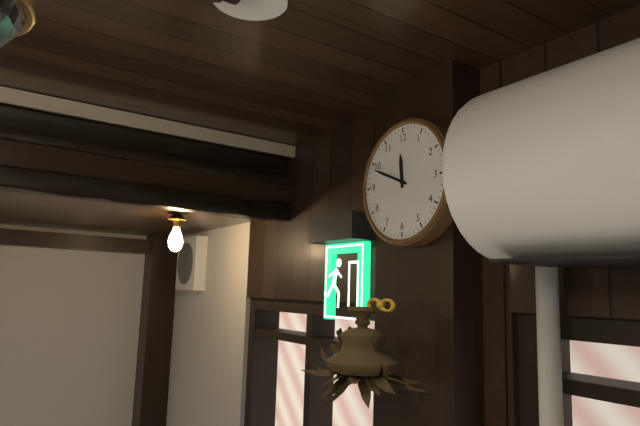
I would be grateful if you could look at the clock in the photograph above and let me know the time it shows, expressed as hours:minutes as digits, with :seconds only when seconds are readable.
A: 11:49
